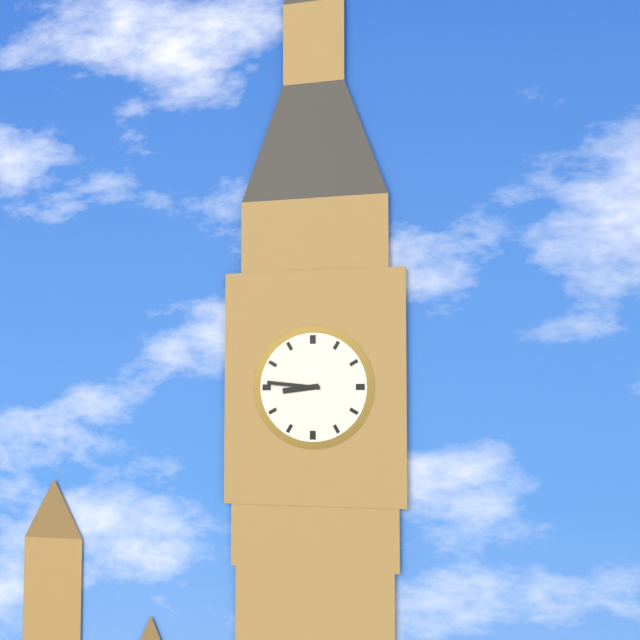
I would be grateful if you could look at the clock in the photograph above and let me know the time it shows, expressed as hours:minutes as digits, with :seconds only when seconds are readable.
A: 8:46
